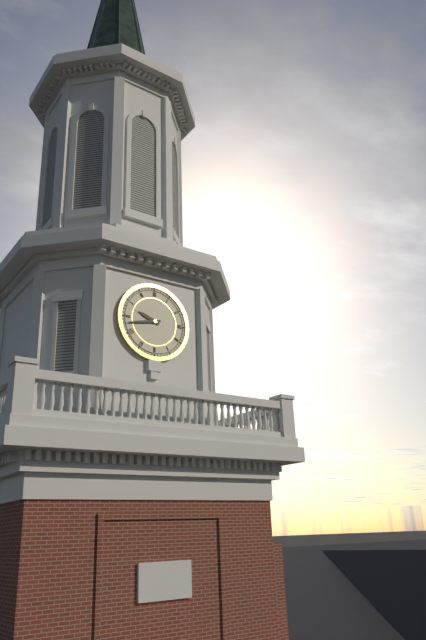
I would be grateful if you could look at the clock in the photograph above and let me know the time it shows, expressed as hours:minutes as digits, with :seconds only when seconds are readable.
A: 9:43
